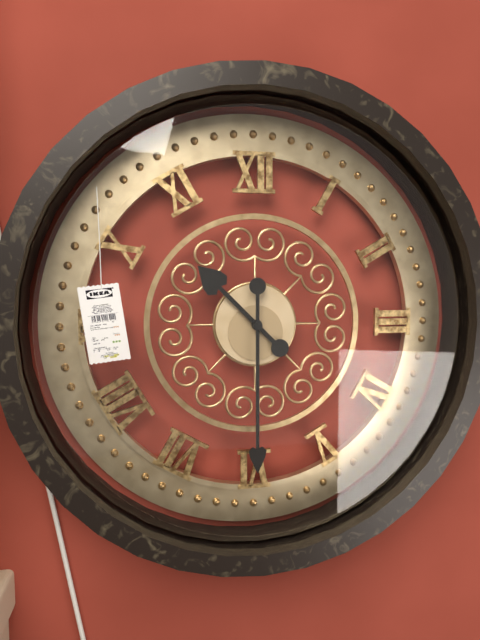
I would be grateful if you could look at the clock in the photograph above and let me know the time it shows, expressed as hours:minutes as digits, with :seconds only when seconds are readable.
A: 10:30
